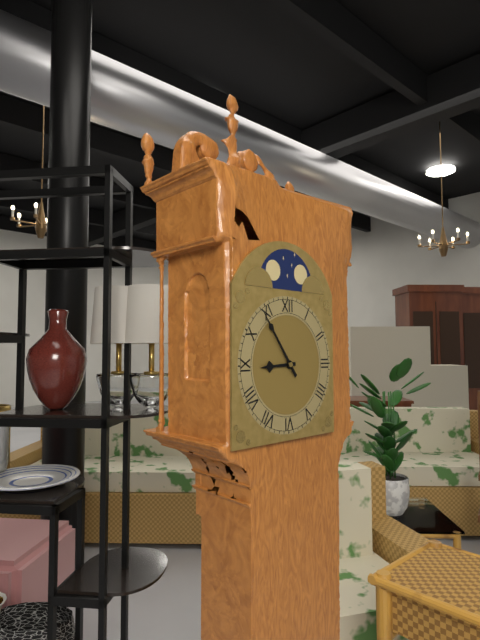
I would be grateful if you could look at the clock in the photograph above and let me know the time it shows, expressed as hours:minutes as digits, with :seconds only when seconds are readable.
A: 8:54
